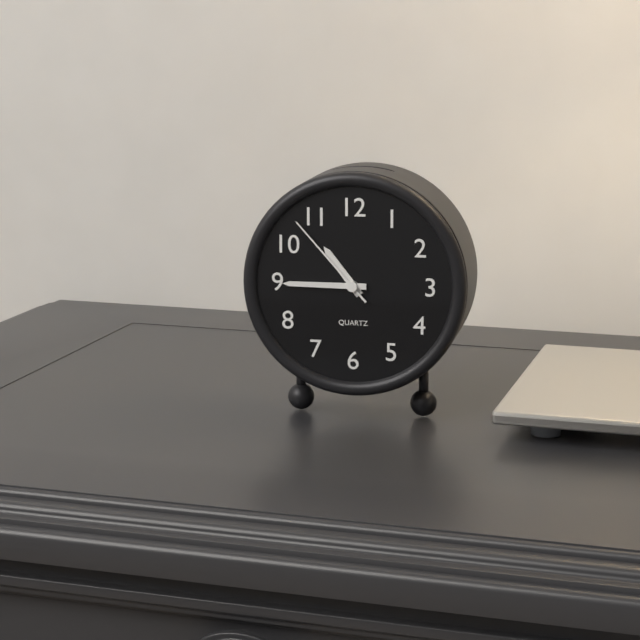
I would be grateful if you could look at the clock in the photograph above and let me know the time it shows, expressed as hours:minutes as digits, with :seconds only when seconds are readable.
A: 10:45:53
